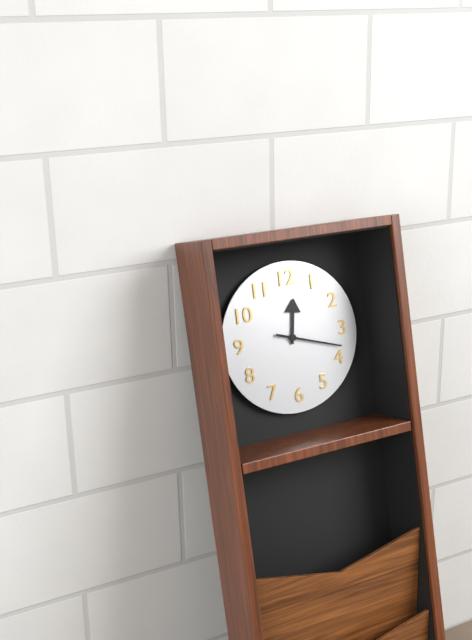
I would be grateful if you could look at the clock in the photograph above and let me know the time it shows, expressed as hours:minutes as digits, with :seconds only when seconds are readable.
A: 12:18
